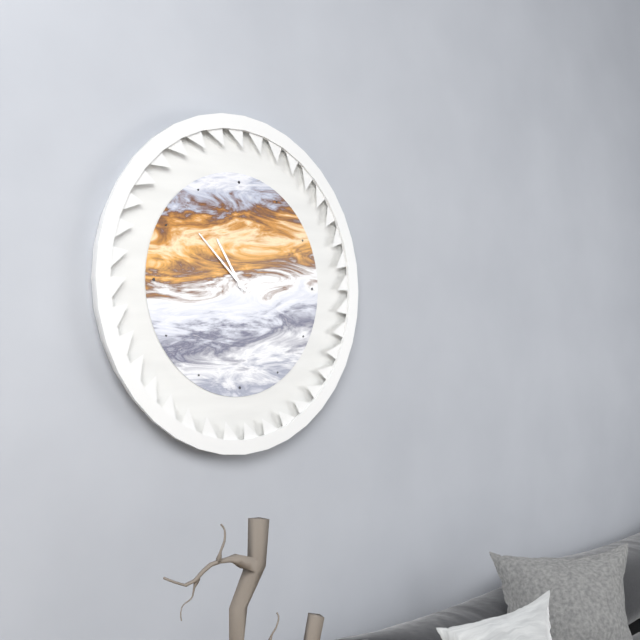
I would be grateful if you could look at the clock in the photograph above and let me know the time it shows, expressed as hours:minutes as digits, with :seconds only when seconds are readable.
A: 10:52
